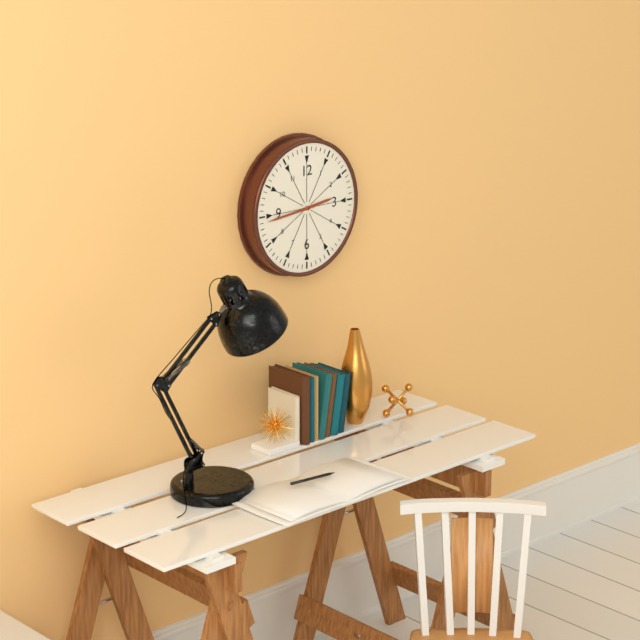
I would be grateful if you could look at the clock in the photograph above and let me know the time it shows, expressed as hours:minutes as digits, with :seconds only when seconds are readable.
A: 2:44
